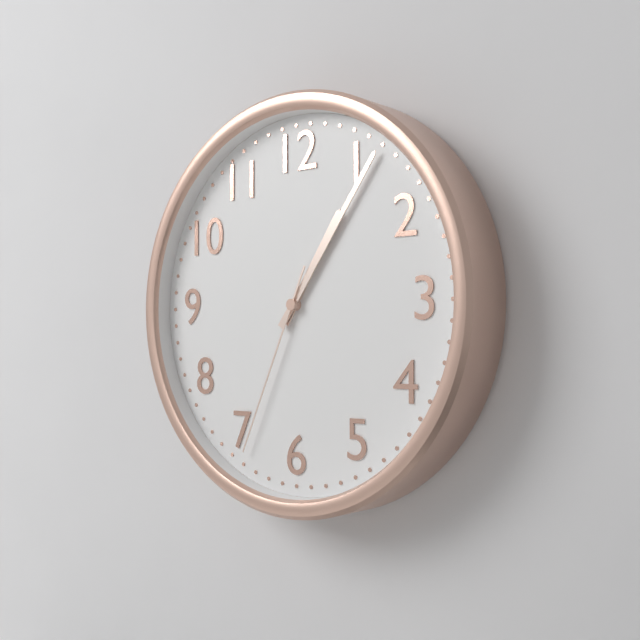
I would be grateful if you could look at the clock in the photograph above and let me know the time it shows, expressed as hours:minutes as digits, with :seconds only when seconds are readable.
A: 1:06:34
